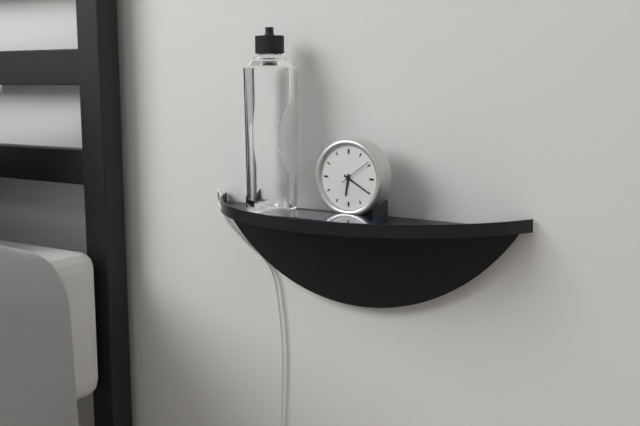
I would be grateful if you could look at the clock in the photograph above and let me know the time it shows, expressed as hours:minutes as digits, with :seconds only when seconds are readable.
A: 6:20
